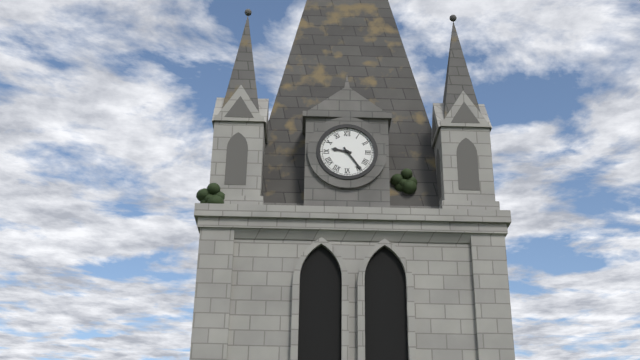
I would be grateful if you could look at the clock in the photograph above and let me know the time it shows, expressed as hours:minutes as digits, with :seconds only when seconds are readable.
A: 9:24
